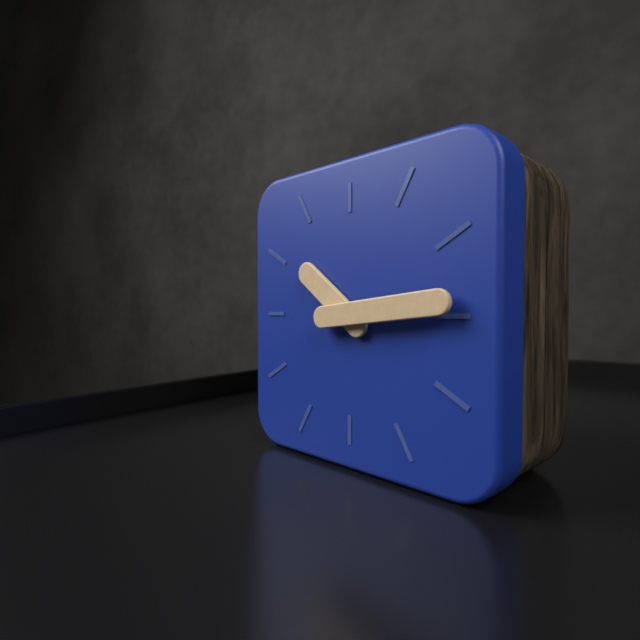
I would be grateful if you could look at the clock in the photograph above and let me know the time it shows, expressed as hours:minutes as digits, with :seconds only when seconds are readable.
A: 10:14
